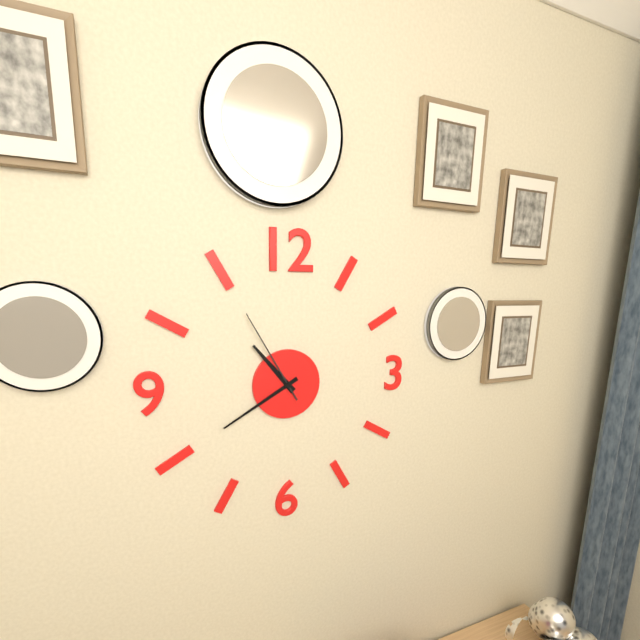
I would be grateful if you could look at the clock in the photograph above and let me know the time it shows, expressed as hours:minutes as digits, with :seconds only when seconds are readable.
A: 10:40:55
